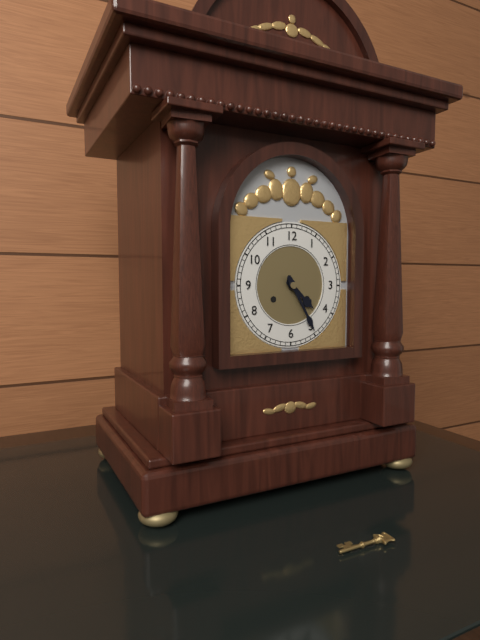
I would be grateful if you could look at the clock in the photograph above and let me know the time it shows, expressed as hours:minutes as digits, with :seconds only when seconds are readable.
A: 4:25
